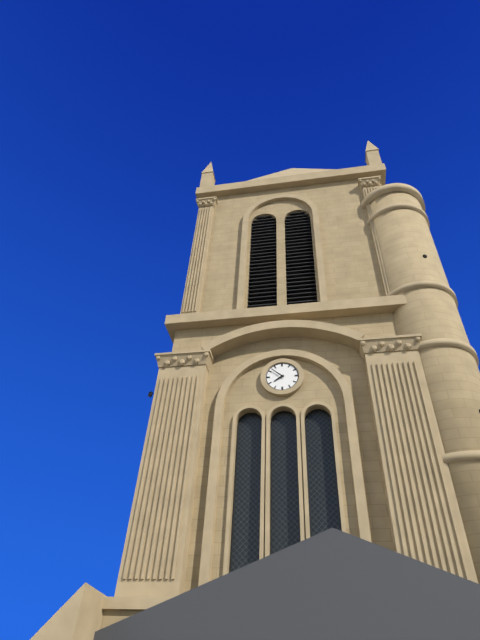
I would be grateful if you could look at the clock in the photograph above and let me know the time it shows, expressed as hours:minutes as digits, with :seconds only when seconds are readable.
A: 7:52
